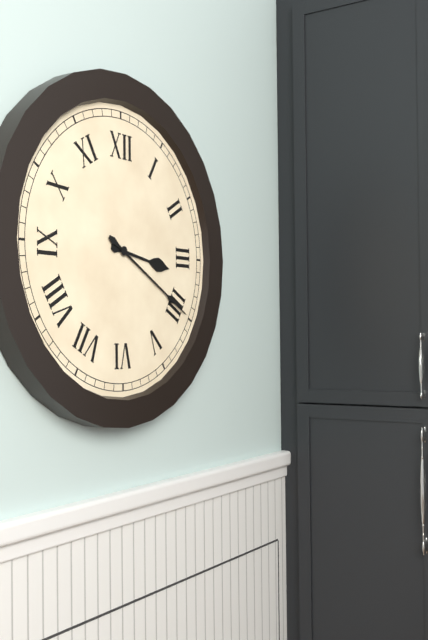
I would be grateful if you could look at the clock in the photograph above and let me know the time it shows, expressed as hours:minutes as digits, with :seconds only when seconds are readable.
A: 3:20
